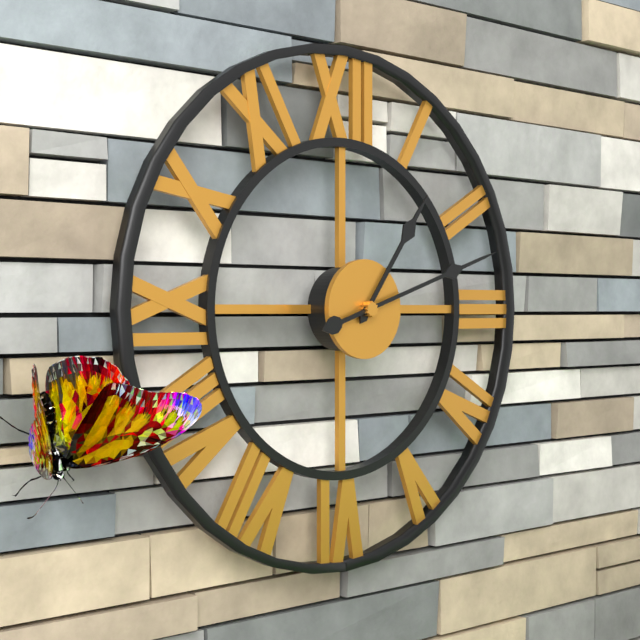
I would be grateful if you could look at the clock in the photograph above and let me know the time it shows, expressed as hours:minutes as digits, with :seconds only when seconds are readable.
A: 1:12
